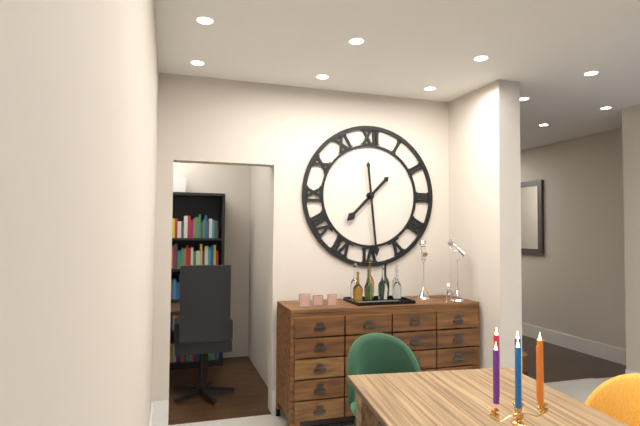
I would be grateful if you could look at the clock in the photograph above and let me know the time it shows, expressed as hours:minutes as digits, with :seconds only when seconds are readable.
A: 7:29
